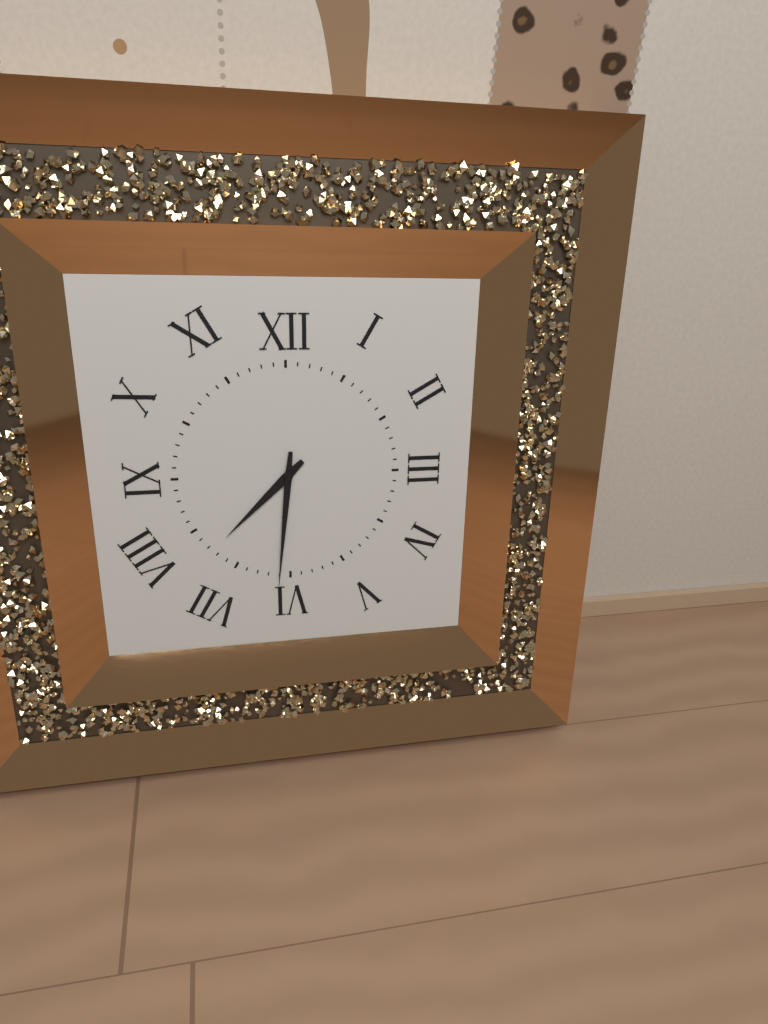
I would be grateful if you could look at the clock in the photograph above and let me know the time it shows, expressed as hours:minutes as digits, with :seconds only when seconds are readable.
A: 7:31
